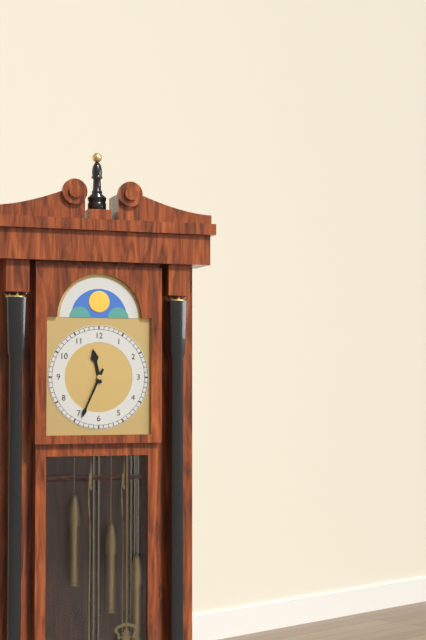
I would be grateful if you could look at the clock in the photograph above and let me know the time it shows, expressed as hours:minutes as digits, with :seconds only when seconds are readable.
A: 11:34
